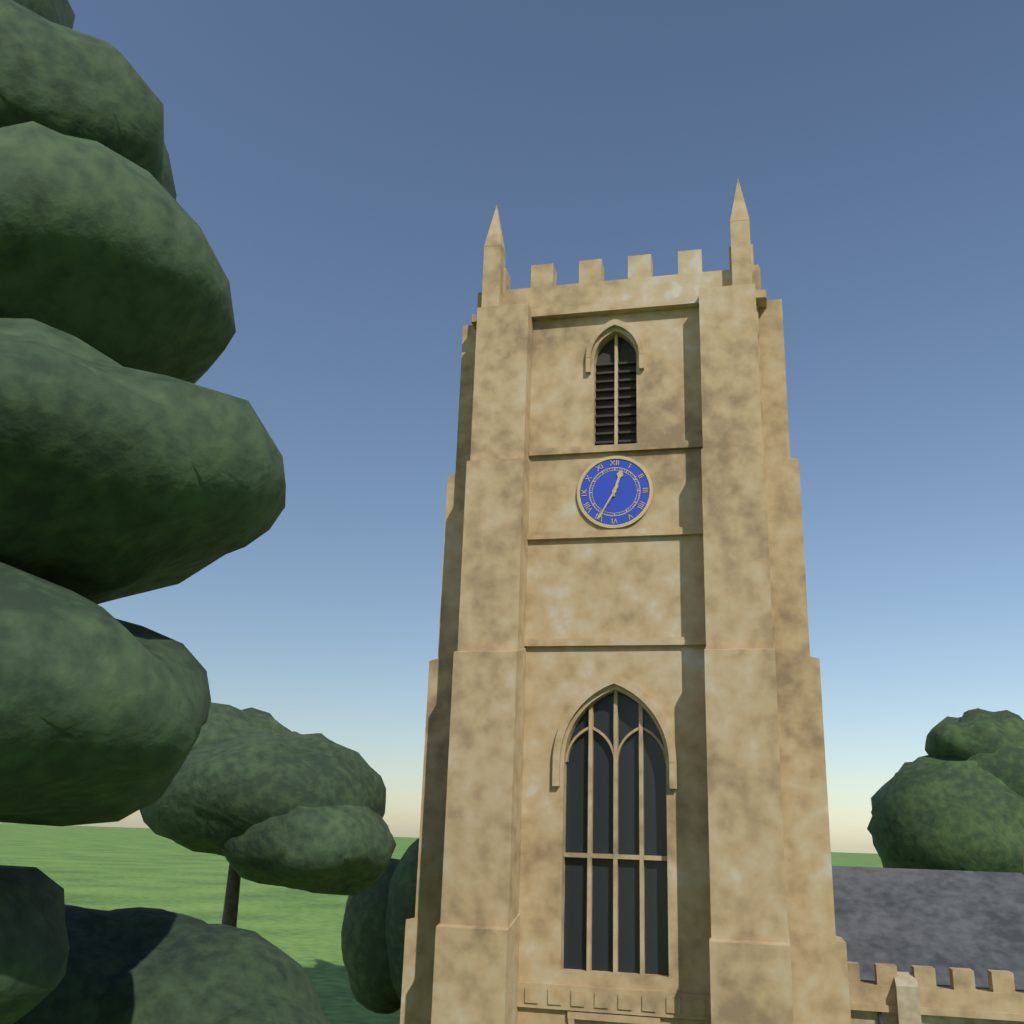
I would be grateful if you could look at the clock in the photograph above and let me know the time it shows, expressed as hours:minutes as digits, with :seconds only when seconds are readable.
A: 12:35
